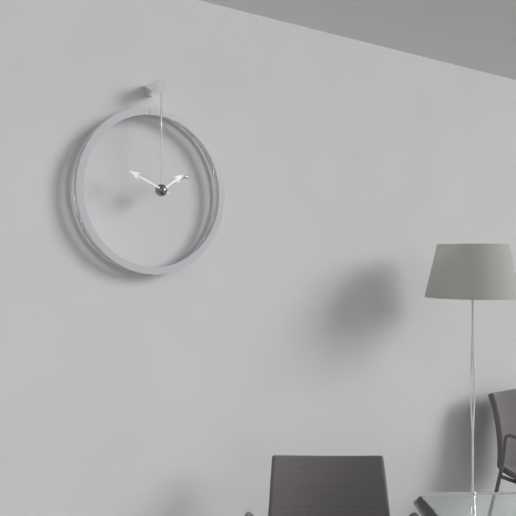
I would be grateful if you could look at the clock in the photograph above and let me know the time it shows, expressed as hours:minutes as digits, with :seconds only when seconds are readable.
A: 1:49
